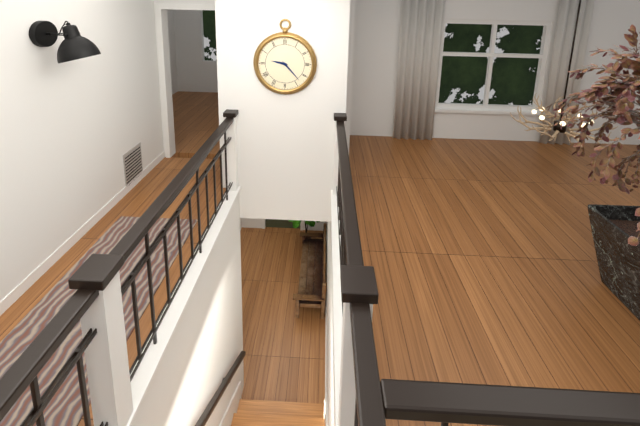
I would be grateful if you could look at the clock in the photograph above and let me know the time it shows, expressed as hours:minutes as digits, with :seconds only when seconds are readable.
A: 9:23
